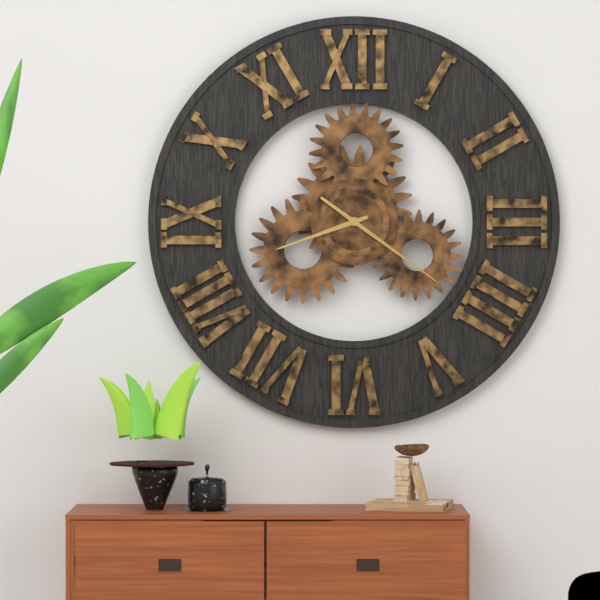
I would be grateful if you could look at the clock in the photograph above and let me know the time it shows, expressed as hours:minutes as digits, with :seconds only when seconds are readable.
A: 8:21
